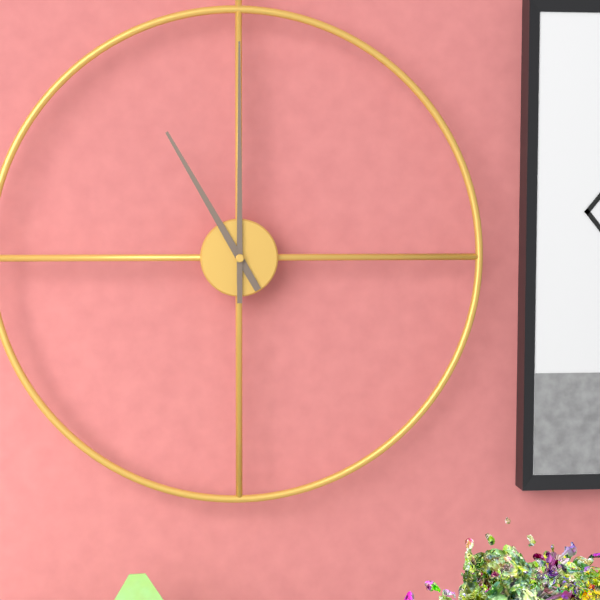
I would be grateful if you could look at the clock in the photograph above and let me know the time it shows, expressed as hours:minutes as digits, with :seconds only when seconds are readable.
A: 11:00
